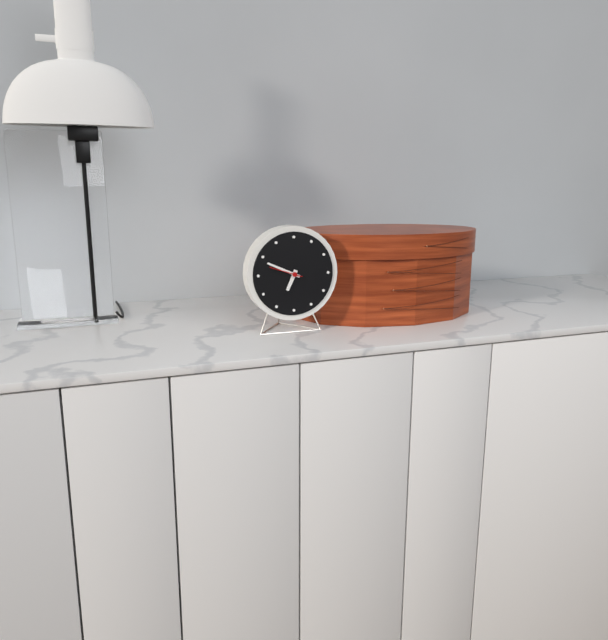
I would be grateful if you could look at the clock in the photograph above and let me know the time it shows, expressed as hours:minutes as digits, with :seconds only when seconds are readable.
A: 6:49
